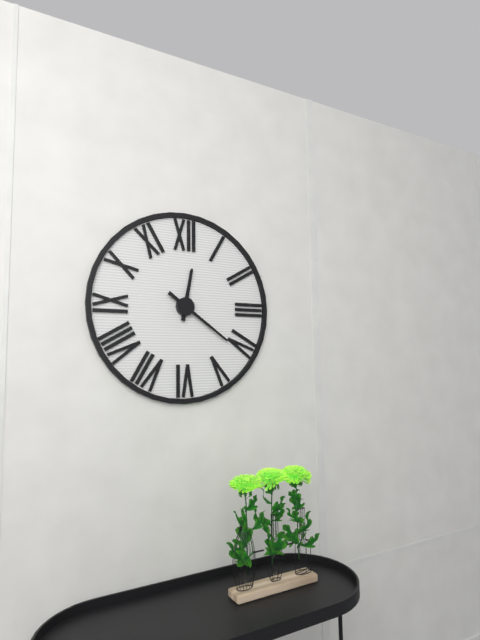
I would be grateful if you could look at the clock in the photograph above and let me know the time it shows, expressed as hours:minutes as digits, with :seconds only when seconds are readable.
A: 12:21
